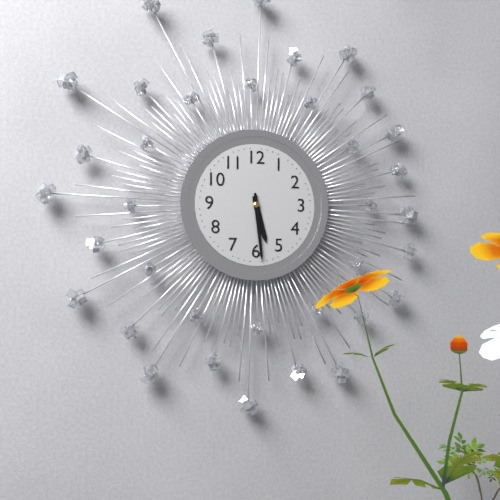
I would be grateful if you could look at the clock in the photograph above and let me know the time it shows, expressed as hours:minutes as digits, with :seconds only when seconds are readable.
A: 5:29
